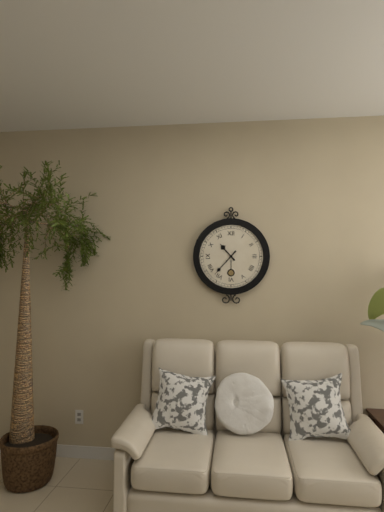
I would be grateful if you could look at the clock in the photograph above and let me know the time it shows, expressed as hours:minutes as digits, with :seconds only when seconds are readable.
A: 10:37
